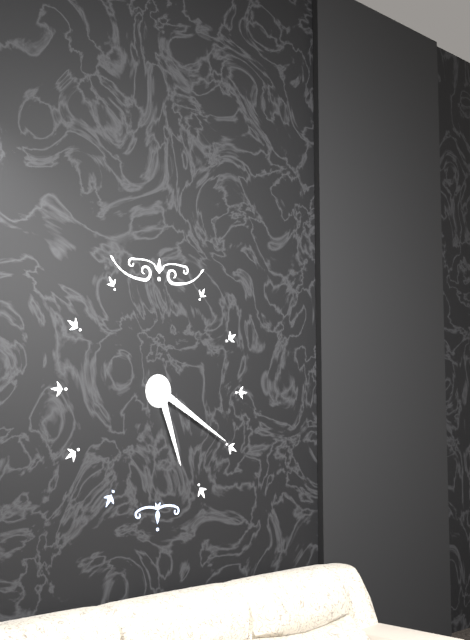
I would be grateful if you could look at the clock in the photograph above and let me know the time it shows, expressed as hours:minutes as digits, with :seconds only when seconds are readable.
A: 5:20
